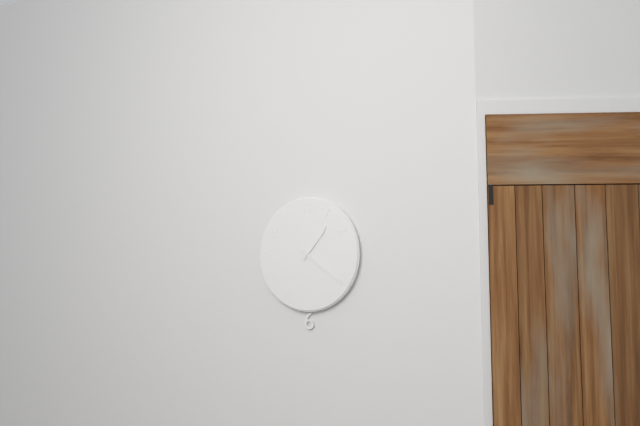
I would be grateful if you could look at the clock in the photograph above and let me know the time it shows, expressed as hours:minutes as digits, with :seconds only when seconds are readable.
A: 1:21
